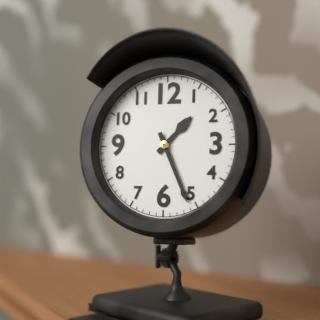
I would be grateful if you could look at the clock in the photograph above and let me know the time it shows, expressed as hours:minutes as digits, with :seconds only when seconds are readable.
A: 1:26
